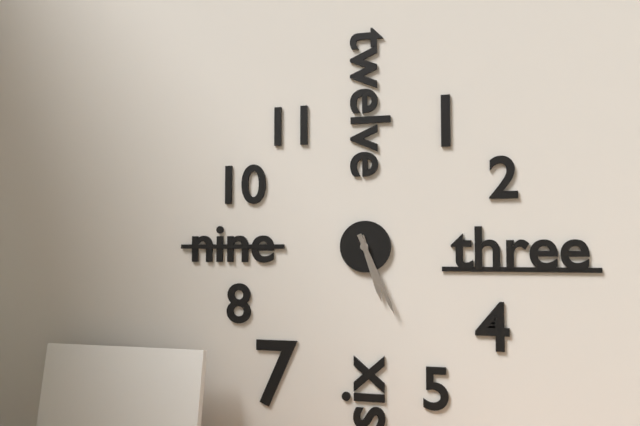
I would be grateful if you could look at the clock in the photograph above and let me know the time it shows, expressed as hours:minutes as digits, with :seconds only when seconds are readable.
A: 5:26
